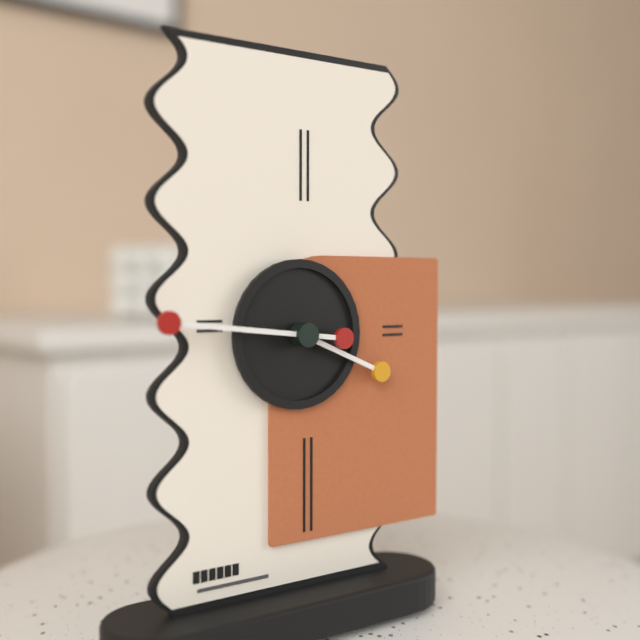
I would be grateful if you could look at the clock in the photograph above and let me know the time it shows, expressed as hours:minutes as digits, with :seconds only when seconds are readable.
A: 3:46
